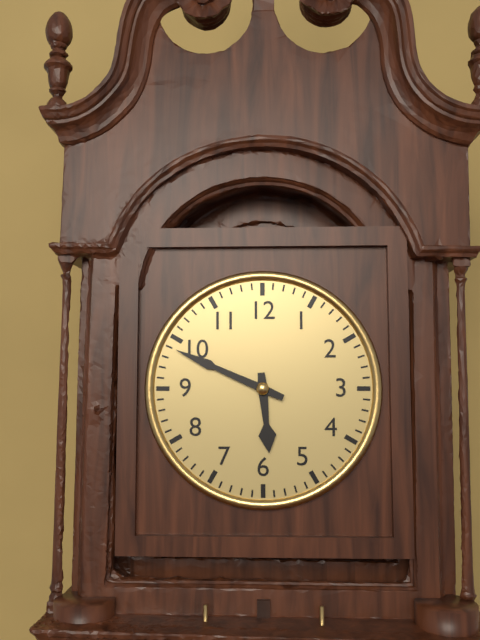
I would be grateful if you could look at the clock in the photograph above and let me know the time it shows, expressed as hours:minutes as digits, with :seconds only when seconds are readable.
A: 5:49
